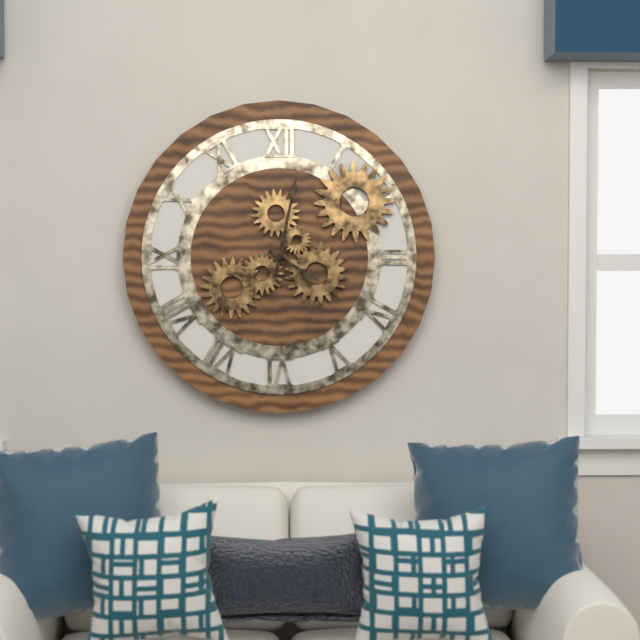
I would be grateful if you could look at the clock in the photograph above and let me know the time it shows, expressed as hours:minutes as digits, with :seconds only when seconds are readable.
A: 4:02
